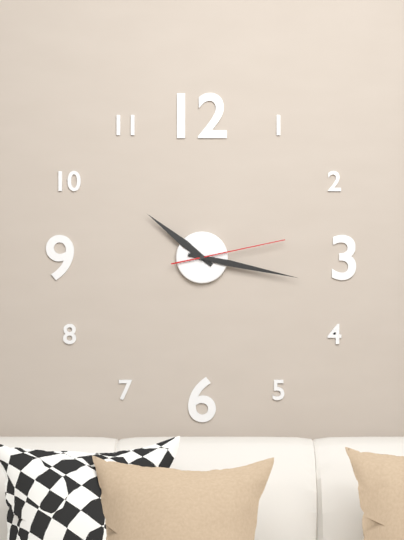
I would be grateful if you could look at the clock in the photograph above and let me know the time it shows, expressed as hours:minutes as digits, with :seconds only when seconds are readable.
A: 10:17:13
